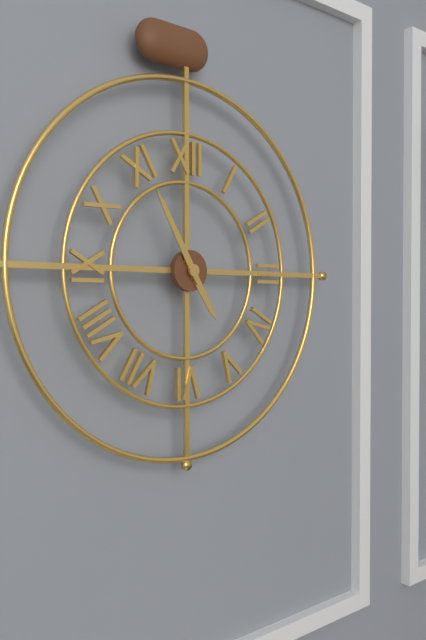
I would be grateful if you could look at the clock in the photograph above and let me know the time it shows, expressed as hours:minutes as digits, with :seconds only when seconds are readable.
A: 4:55
